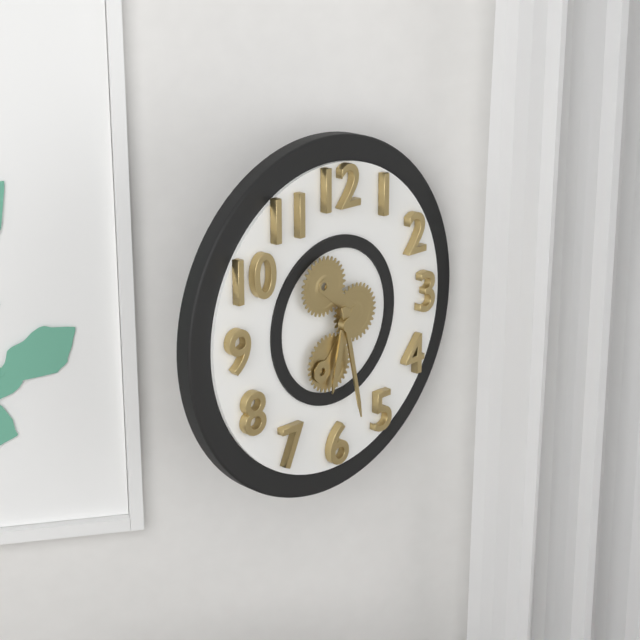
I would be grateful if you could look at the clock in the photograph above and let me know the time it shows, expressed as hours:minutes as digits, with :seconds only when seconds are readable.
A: 6:28
